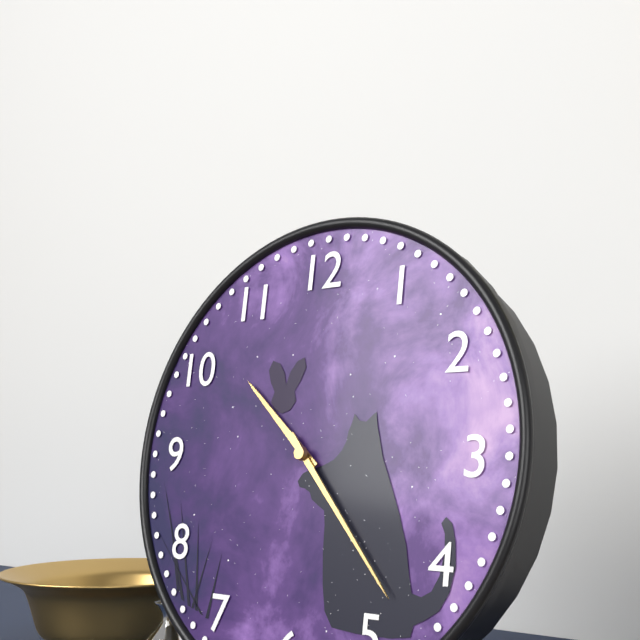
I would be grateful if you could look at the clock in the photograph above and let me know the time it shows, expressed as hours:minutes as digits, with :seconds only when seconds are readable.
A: 10:23
